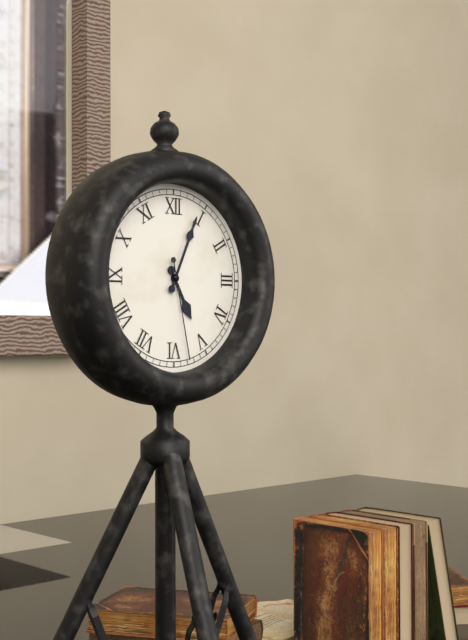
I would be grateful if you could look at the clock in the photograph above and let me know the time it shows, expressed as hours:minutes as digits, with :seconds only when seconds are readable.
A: 5:04:28
